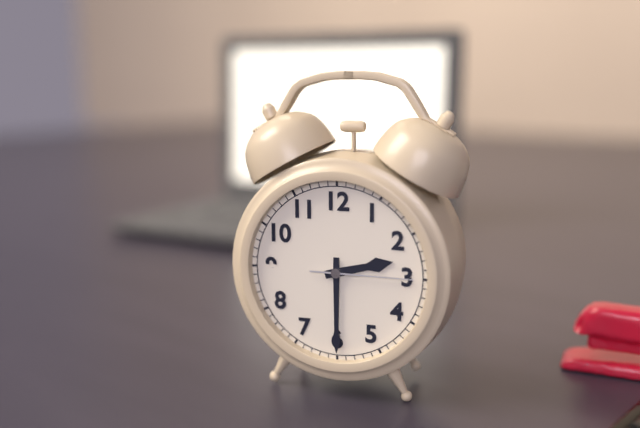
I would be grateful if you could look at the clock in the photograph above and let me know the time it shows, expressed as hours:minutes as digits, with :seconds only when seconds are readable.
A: 2:30:15
